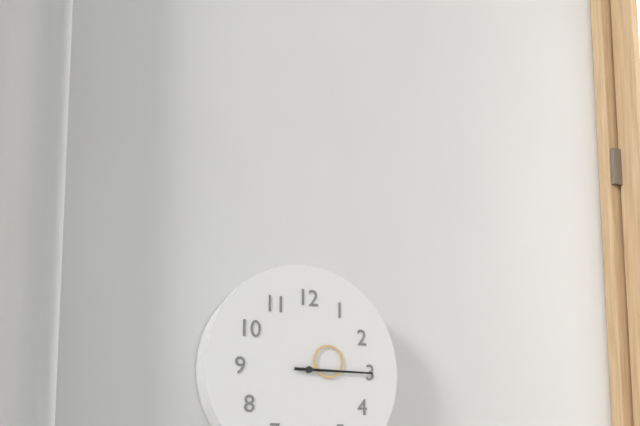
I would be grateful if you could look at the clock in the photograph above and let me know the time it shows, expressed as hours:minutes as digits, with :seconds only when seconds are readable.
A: 2:15
